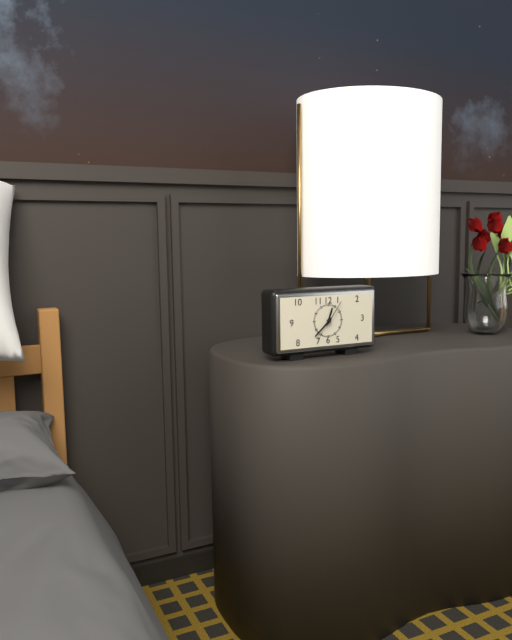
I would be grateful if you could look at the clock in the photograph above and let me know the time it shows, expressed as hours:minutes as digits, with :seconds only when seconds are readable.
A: 12:38
